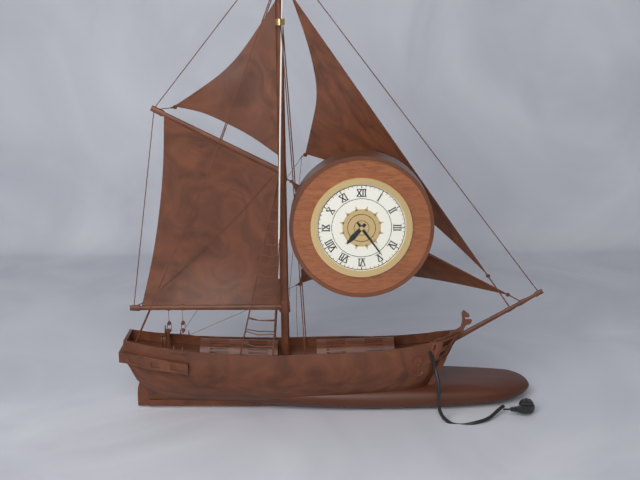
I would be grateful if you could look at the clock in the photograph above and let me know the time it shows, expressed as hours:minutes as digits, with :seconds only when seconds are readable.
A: 7:24
